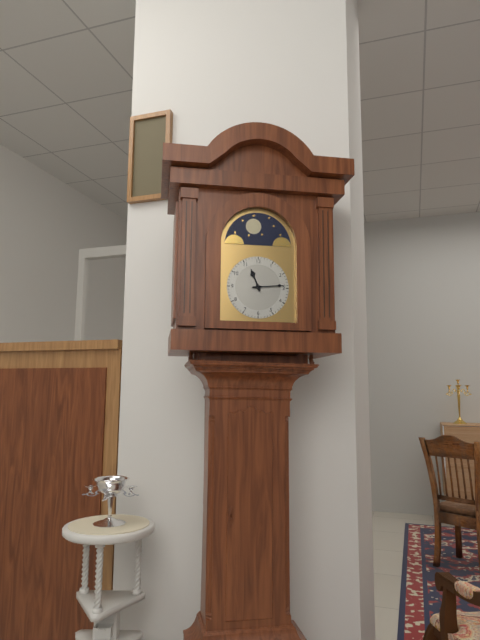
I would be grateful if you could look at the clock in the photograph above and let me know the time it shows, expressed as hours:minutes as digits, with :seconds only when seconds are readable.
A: 11:14
